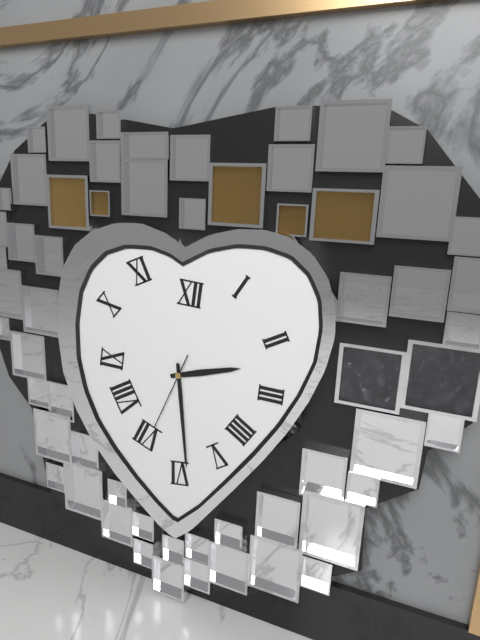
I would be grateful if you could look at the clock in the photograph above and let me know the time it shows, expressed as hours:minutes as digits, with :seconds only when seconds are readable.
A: 2:29:34
